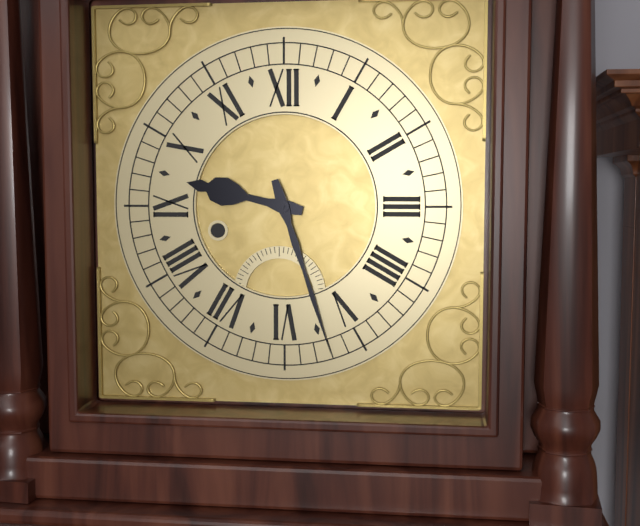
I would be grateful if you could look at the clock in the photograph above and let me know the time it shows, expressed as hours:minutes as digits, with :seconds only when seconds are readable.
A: 9:27
